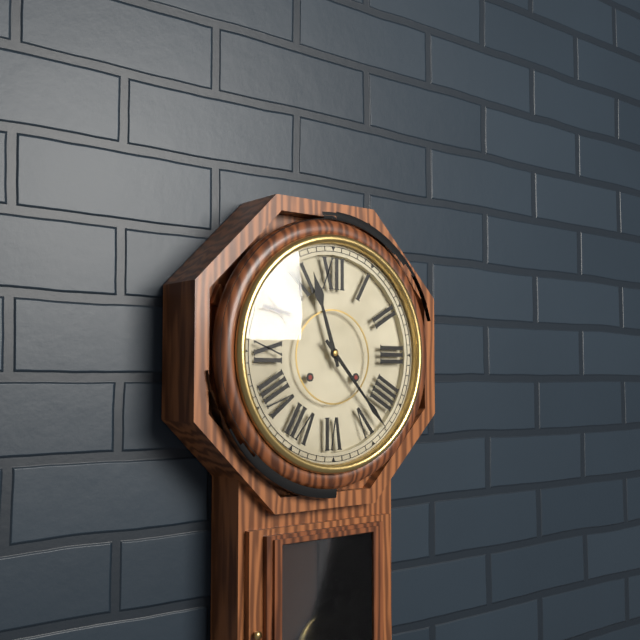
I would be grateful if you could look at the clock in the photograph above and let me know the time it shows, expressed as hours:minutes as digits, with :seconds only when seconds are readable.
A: 11:23
